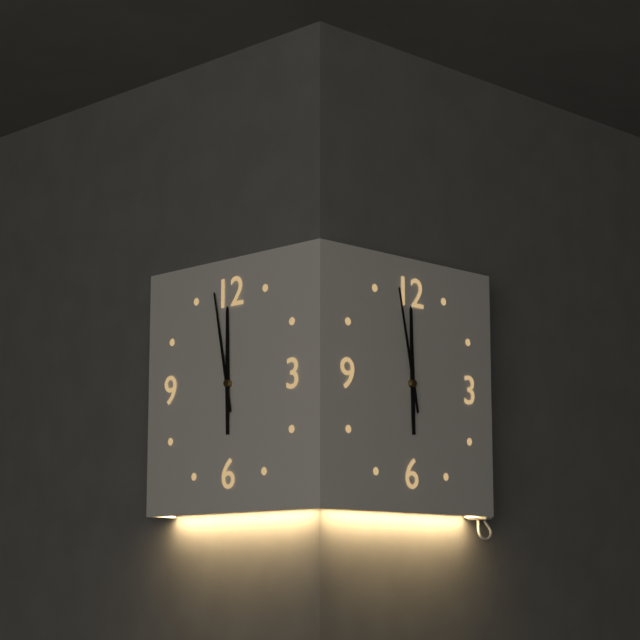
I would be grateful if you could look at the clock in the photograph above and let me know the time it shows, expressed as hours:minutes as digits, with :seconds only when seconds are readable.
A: 11:58
